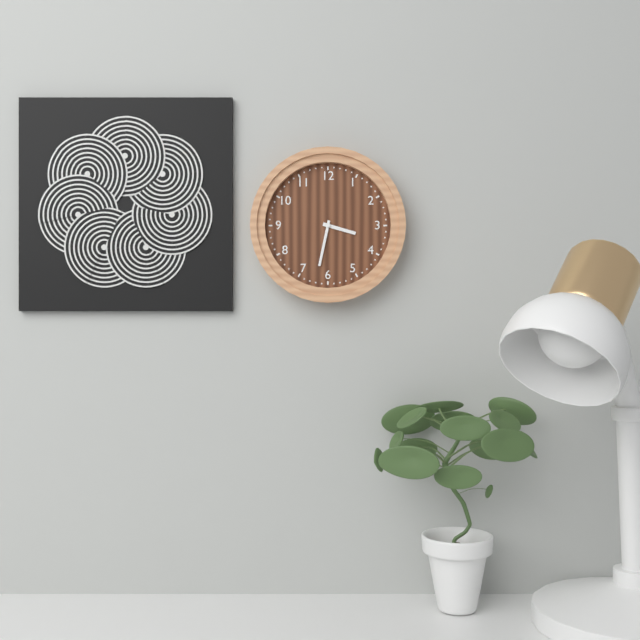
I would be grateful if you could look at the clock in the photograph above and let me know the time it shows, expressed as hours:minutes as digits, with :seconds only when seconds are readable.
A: 3:32
